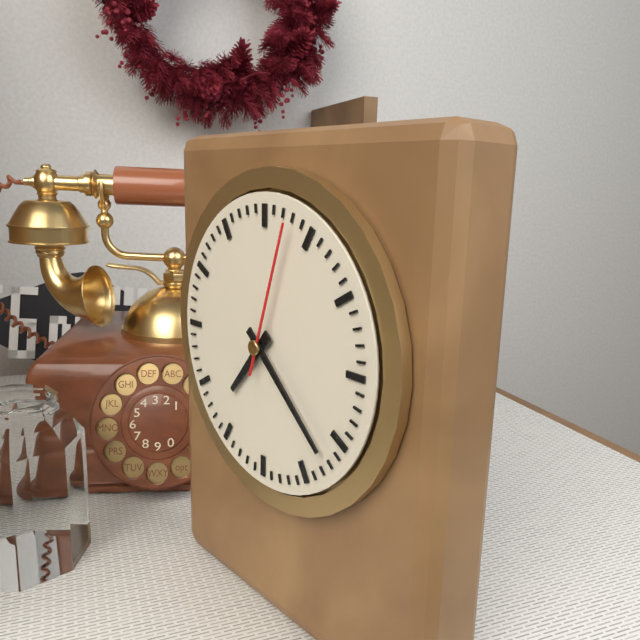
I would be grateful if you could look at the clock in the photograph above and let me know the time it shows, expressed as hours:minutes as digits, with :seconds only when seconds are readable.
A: 7:22:03
